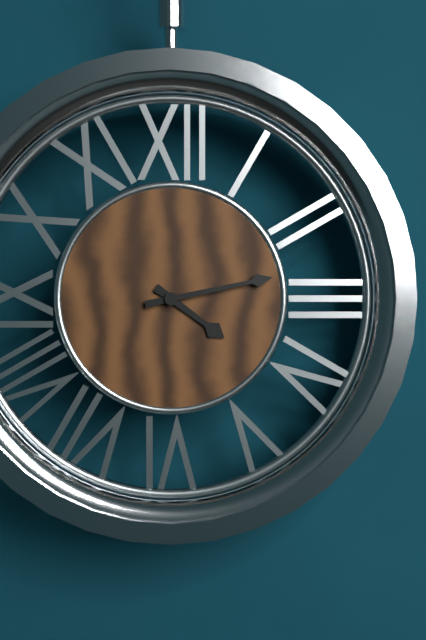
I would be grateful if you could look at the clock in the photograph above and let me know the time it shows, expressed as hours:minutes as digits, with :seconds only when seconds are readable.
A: 4:13
